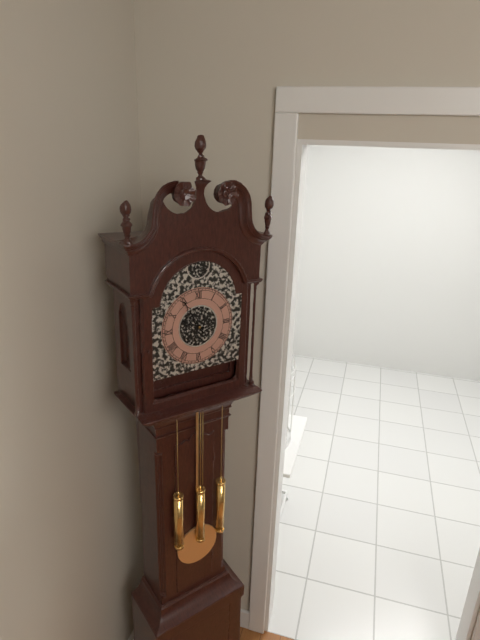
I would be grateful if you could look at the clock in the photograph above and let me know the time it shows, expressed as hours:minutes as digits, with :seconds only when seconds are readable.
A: 9:55
